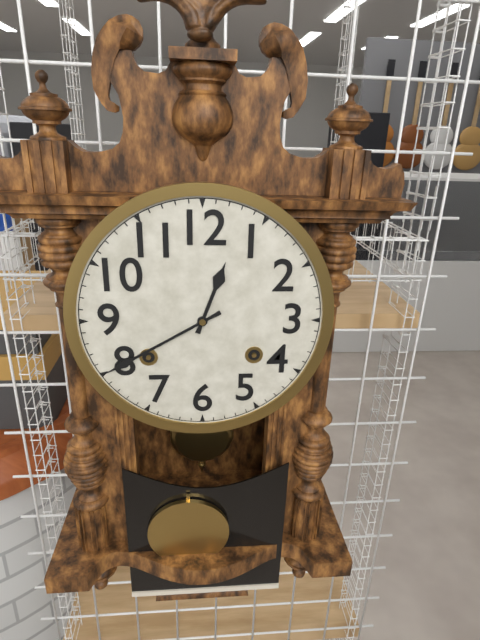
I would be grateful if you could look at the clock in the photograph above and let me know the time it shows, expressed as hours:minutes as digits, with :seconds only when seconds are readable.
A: 12:40
